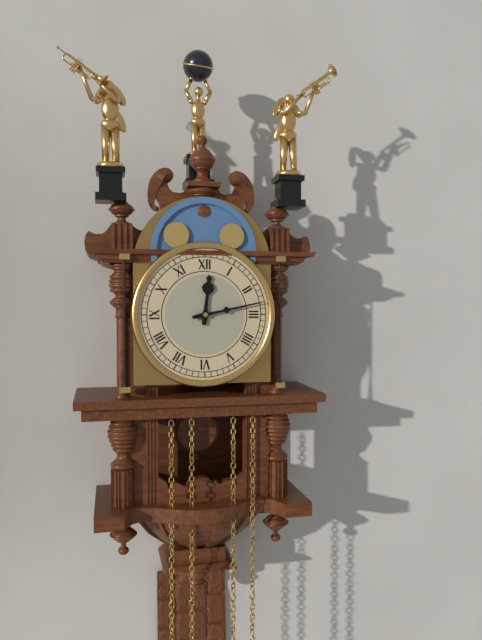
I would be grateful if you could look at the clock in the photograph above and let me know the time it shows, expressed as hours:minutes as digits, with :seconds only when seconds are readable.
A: 12:13
